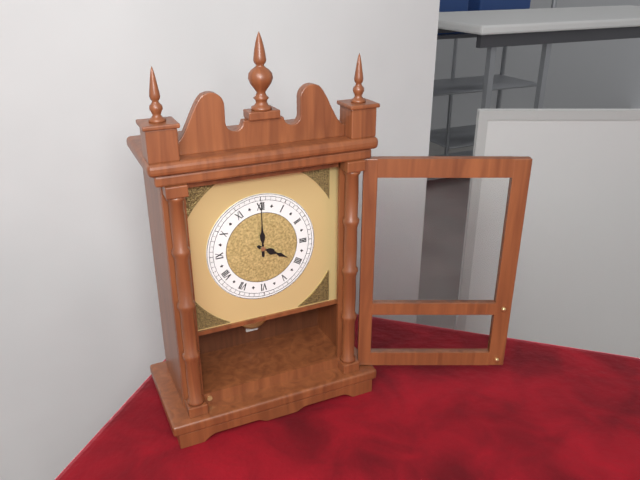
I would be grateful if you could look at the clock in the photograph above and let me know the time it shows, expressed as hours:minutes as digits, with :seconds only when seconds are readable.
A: 4:00
